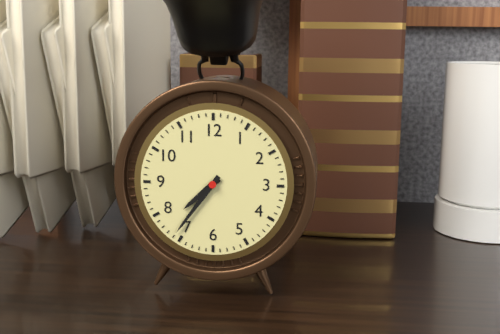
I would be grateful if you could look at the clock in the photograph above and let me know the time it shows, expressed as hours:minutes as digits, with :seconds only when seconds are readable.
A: 7:36
